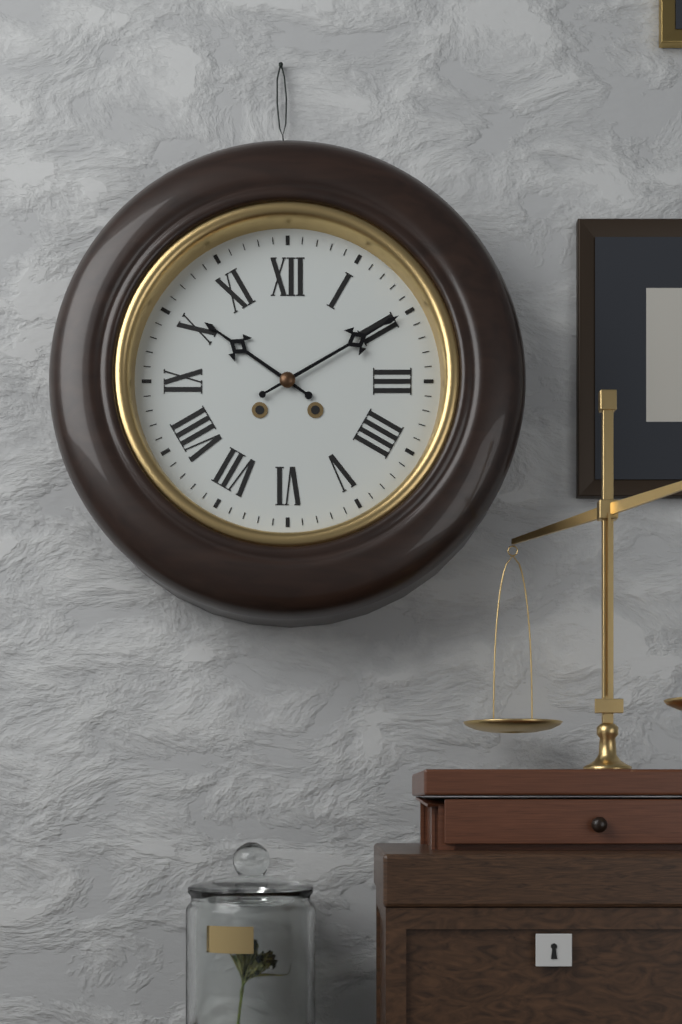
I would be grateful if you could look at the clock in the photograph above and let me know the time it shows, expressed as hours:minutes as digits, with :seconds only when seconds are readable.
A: 10:10
